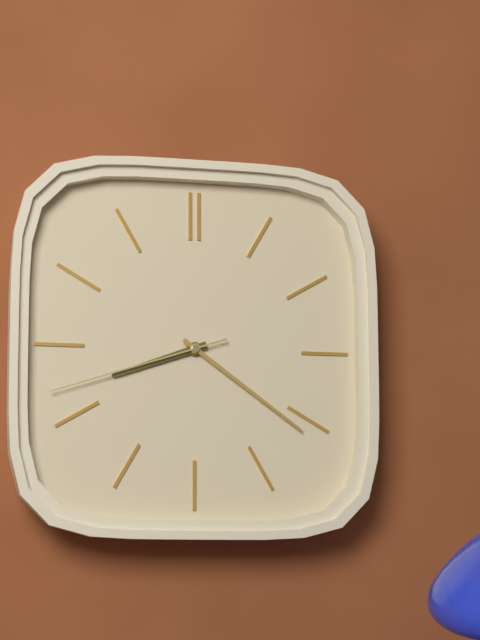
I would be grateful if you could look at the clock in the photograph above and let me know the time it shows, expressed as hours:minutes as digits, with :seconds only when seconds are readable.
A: 8:21:42
